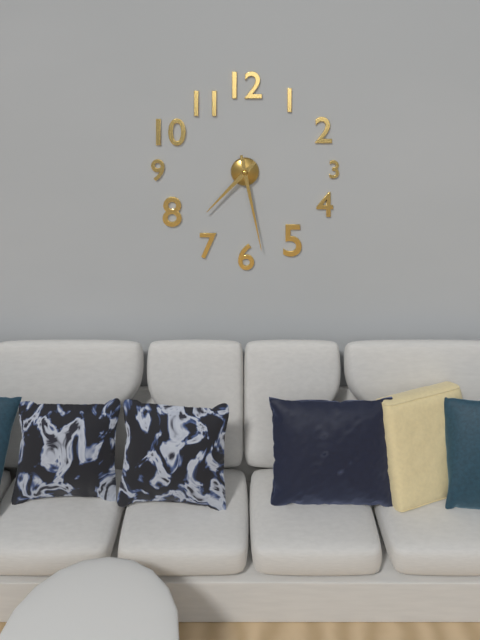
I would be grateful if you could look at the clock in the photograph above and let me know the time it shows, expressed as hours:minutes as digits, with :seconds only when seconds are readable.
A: 7:28
